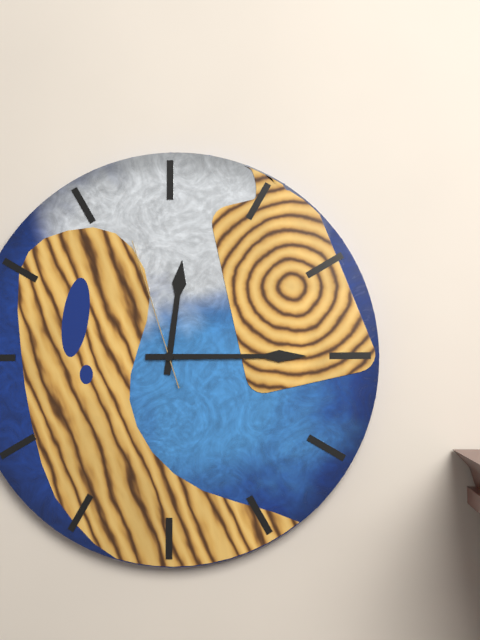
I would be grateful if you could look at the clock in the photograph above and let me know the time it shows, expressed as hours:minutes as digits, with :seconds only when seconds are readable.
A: 12:15:57
